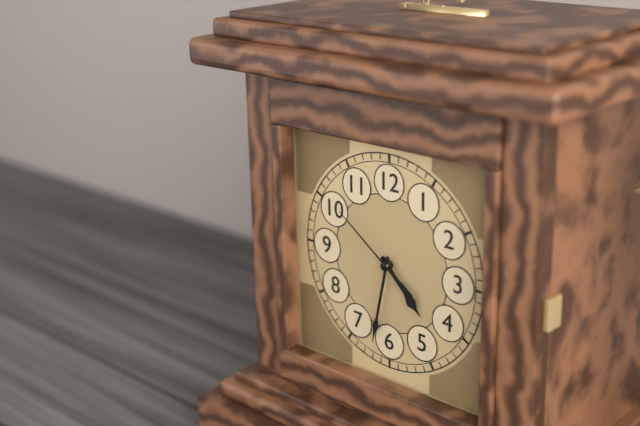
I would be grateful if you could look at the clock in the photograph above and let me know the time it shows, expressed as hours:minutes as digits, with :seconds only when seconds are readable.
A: 4:32:51
